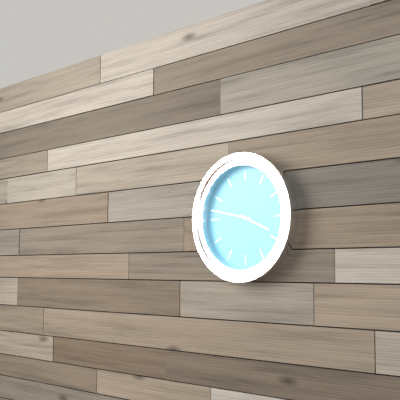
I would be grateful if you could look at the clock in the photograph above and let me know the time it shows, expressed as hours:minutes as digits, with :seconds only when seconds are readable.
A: 3:47
